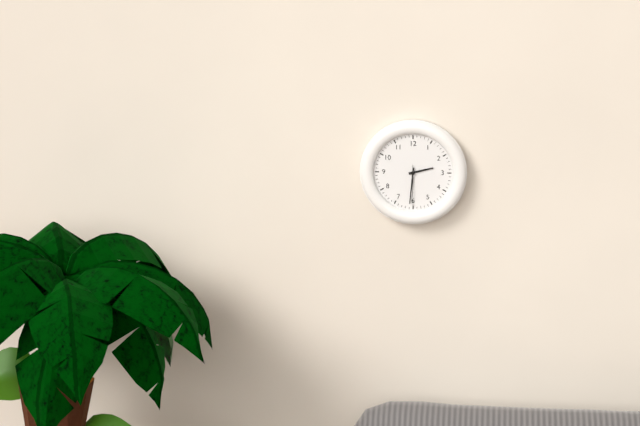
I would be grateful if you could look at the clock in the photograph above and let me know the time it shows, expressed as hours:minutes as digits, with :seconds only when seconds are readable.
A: 2:31
